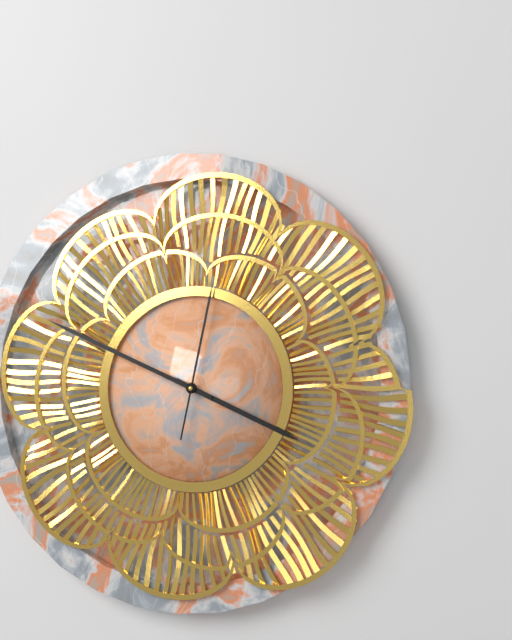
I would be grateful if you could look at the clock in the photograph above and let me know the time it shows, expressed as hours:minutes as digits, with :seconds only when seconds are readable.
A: 3:49:02
